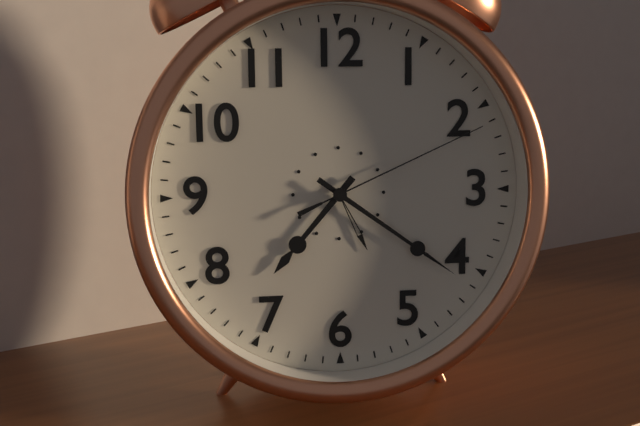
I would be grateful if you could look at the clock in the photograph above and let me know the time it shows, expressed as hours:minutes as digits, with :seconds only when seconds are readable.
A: 7:21:11
